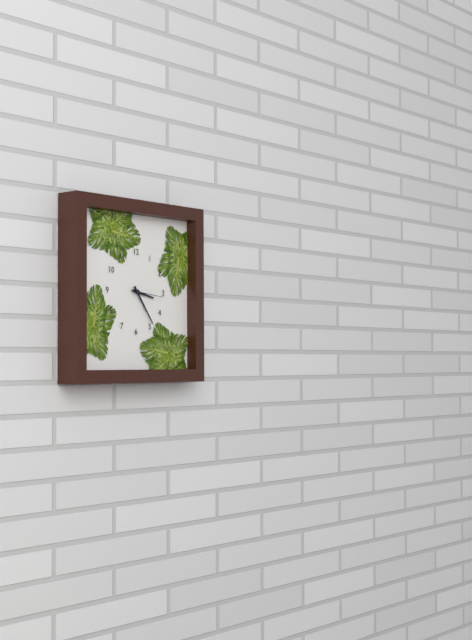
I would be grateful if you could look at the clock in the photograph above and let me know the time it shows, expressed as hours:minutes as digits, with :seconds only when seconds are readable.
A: 3:24
